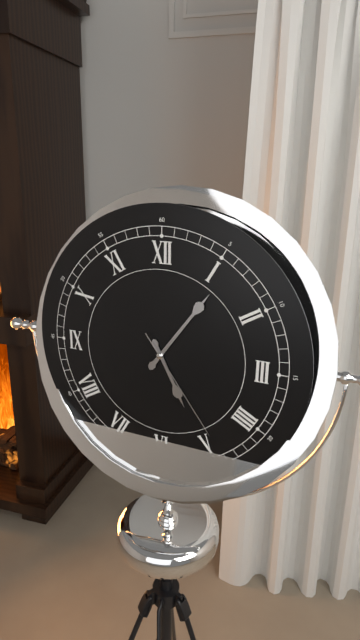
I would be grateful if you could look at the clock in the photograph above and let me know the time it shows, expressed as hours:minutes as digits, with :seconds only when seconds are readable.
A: 5:06:24
